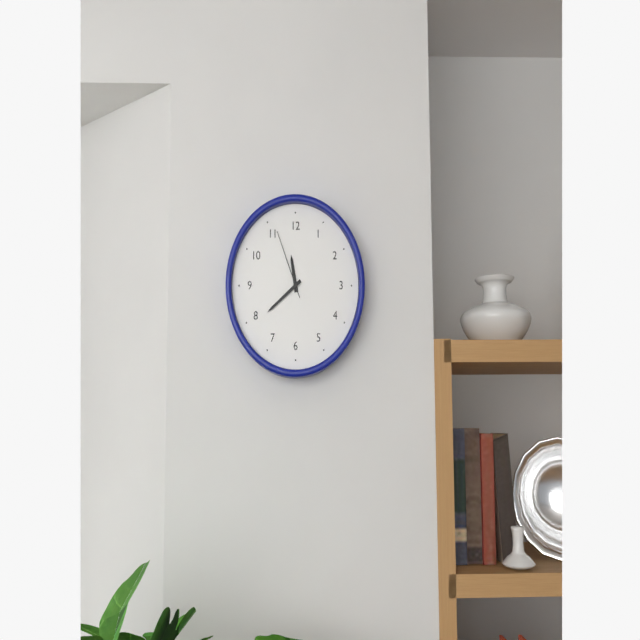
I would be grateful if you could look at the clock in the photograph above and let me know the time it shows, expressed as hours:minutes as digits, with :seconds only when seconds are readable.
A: 11:39:56
